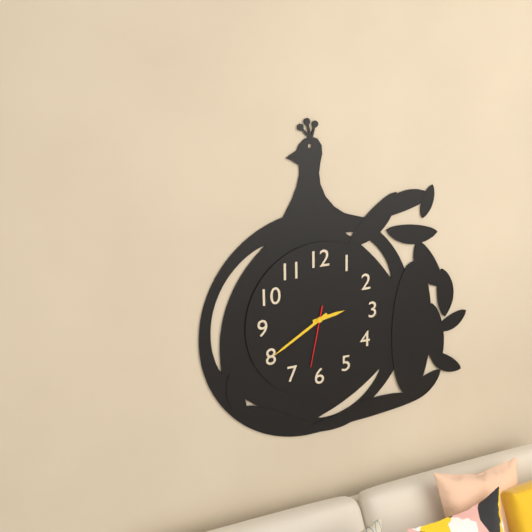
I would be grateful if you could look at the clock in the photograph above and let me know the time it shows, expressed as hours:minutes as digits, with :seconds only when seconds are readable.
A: 2:40:32
